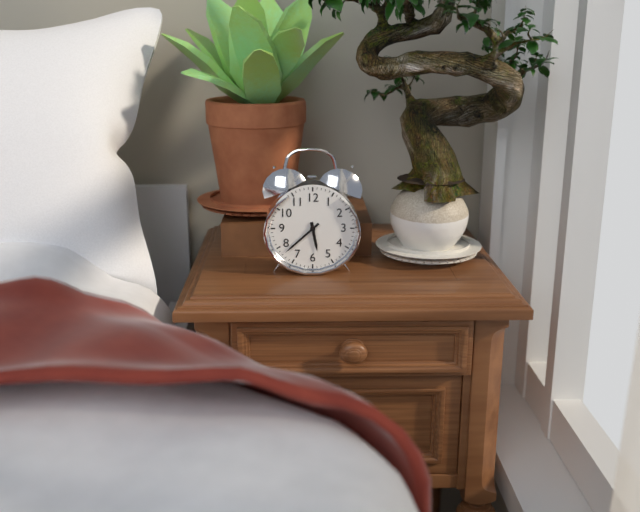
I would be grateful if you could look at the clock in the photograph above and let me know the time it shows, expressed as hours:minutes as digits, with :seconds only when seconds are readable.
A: 5:38
